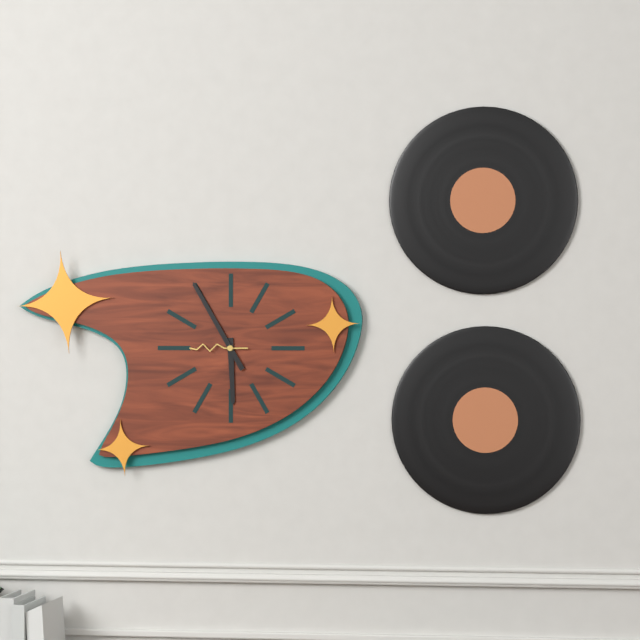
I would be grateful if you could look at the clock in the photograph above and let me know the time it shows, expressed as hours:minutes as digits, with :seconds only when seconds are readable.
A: 5:55:45
